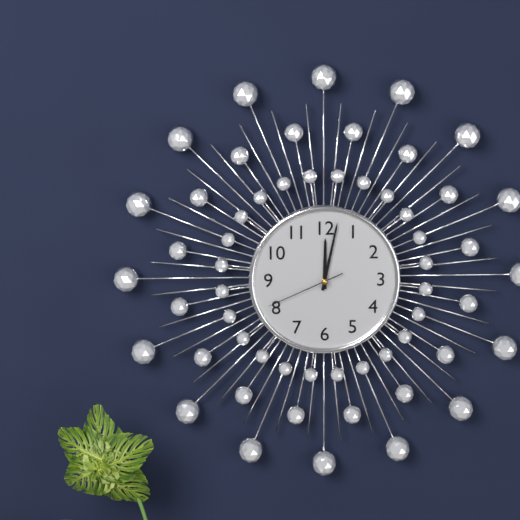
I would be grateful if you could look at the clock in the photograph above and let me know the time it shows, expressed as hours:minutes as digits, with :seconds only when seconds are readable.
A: 12:02:41
